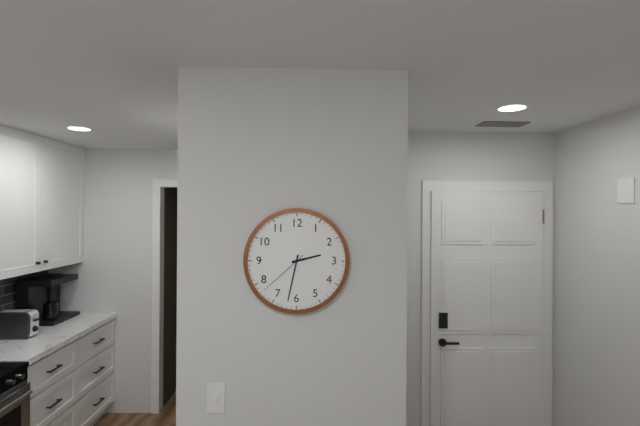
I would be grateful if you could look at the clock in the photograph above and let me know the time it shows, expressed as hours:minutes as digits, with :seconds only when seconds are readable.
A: 2:32:38
